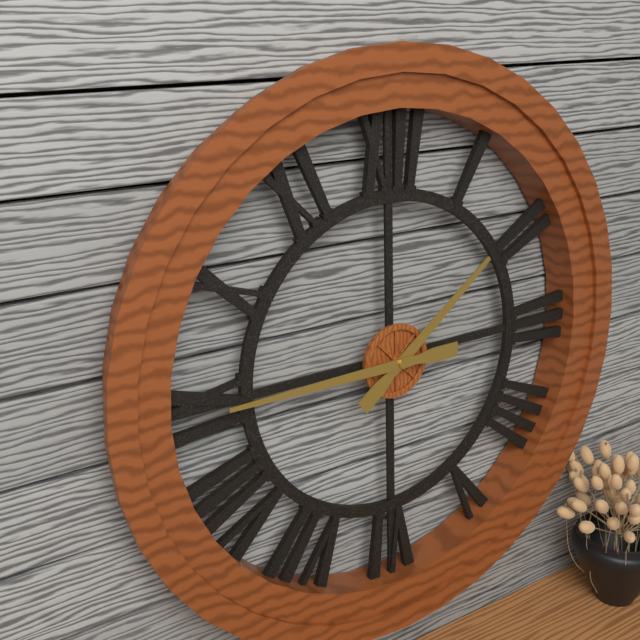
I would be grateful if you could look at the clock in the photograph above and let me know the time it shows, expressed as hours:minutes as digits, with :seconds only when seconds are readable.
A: 1:45
